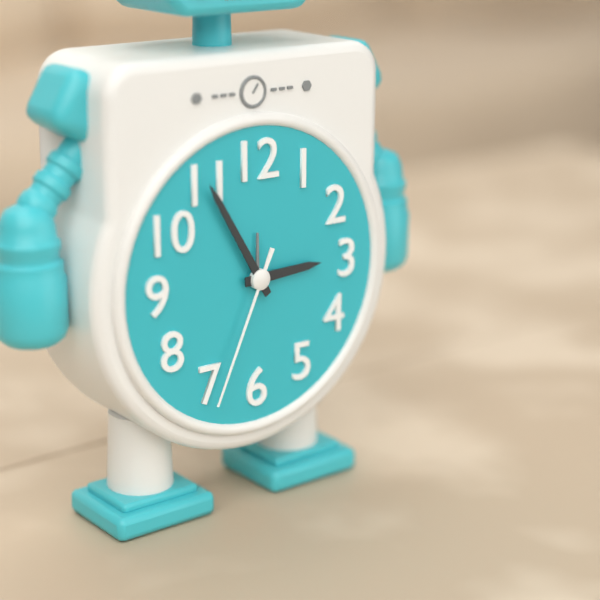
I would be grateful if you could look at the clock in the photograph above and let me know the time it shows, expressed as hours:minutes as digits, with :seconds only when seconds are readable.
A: 2:55:34
